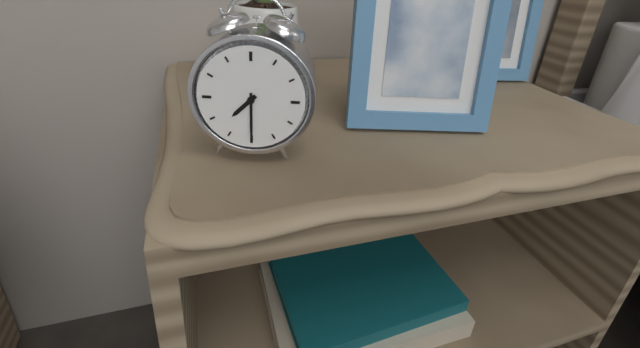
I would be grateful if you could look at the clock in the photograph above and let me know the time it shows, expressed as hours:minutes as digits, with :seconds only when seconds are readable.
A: 7:30
